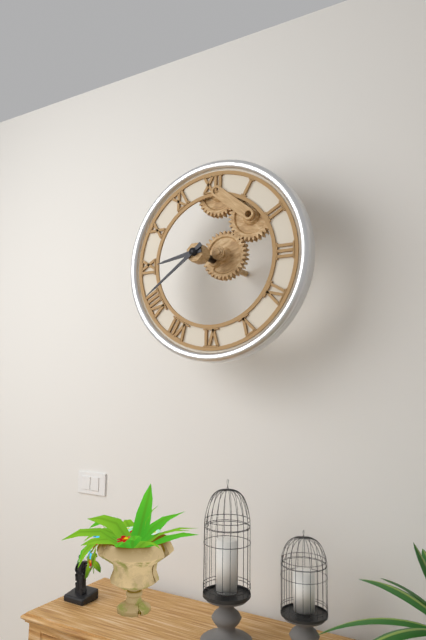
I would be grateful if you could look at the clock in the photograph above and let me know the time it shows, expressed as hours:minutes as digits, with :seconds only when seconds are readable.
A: 8:39
